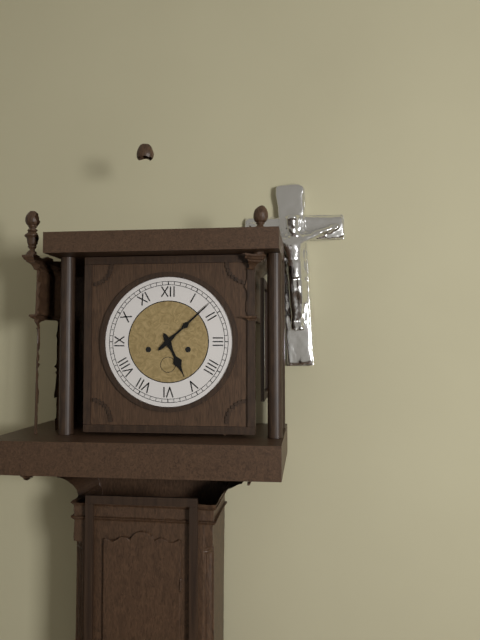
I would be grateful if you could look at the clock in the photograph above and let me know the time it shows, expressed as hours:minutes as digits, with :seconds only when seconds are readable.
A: 5:08
